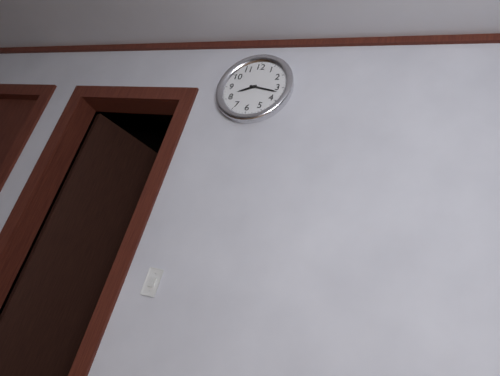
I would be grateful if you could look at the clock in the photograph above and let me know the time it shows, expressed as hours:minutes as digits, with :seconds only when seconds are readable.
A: 8:17
